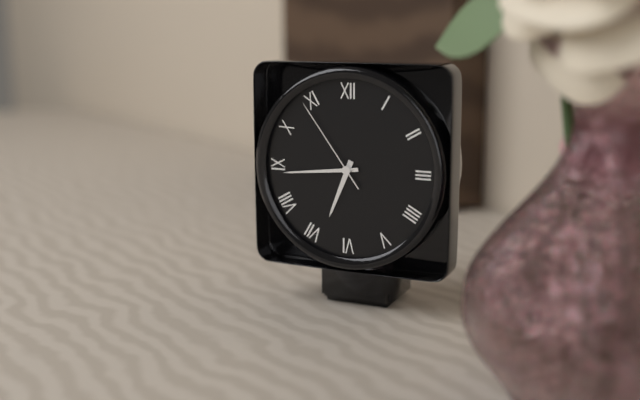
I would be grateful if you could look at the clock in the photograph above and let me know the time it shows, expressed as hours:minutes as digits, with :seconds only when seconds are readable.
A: 6:44:54
